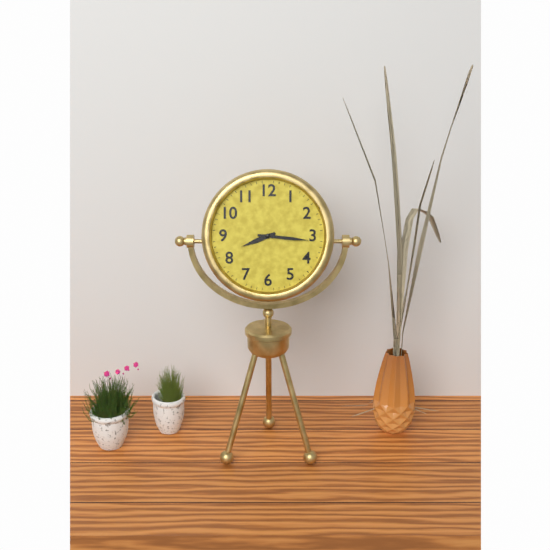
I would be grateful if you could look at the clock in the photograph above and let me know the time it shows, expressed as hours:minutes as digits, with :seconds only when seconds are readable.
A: 8:16
